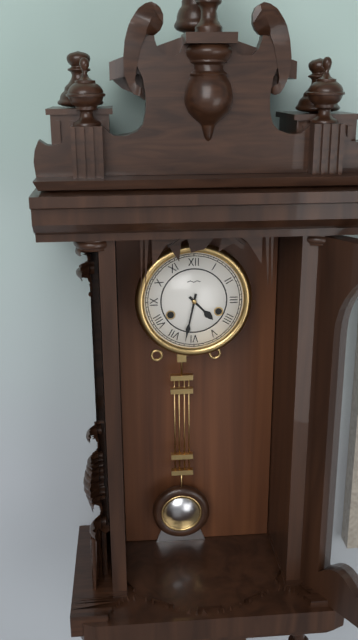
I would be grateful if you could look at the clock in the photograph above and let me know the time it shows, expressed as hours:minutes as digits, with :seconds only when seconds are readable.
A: 4:32
